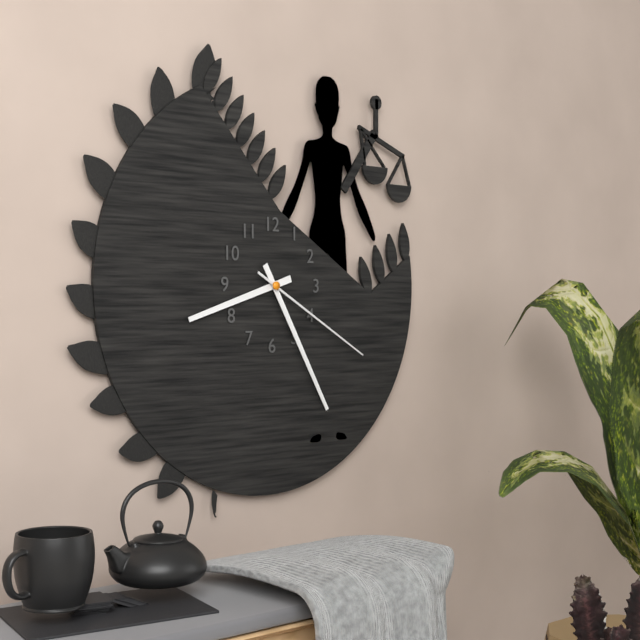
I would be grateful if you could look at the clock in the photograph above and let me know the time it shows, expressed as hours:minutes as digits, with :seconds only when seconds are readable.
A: 8:25:20
